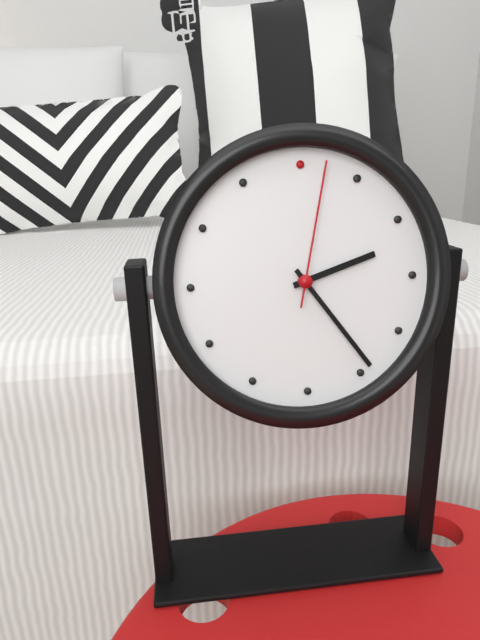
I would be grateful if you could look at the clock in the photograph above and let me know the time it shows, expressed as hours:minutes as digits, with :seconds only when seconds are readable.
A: 2:24:02
